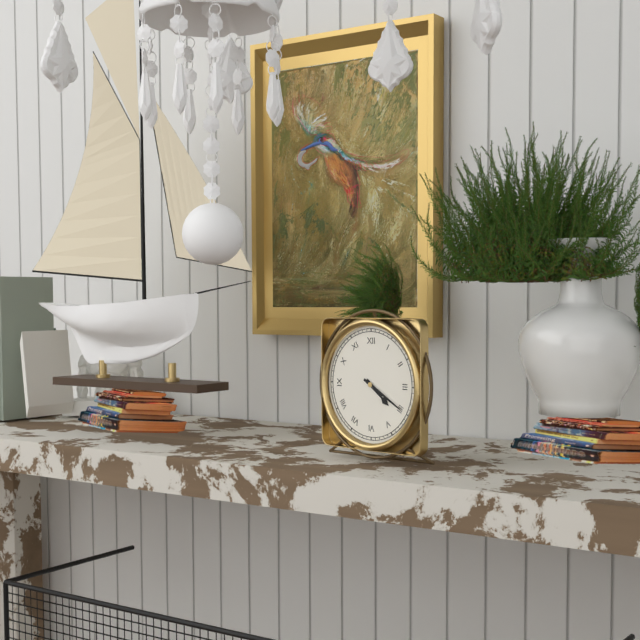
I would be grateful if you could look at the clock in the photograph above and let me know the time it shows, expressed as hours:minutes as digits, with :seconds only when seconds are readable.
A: 4:20
